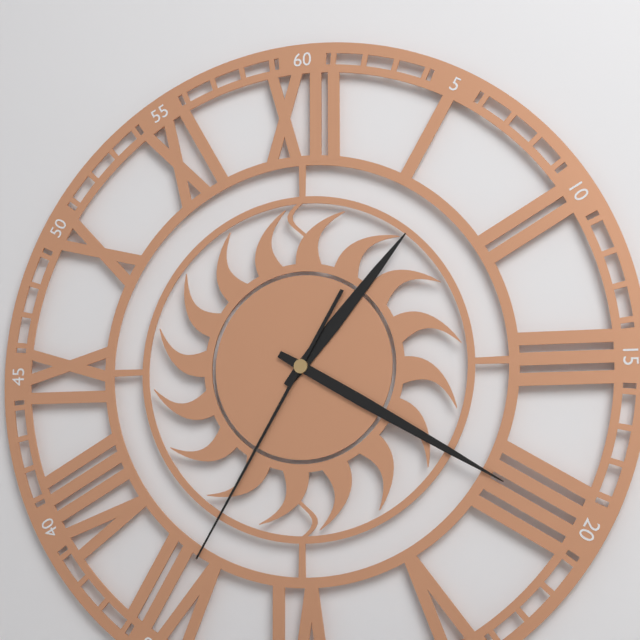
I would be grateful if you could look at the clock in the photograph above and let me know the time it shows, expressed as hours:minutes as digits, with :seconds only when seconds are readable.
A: 1:20:35
